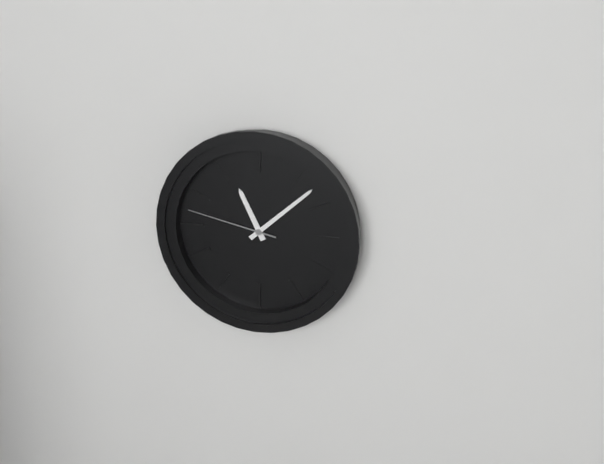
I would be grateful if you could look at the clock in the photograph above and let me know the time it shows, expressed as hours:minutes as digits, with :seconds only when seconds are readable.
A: 11:08:47
